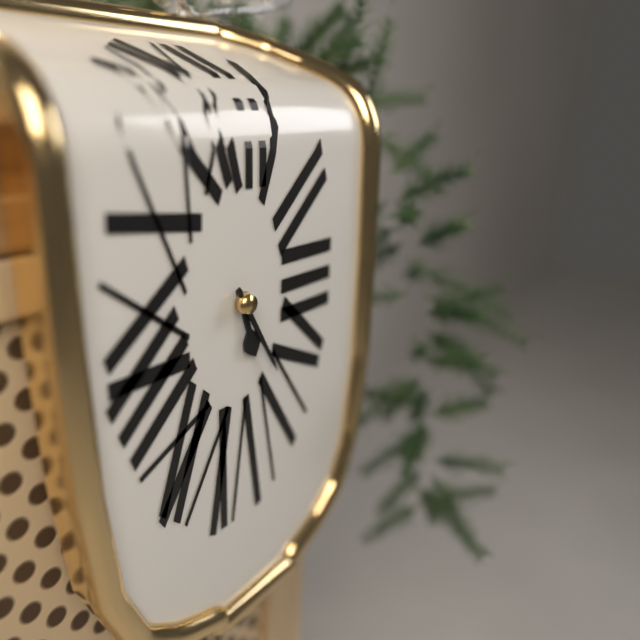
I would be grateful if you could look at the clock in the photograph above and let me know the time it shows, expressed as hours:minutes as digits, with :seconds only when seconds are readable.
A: 5:25
